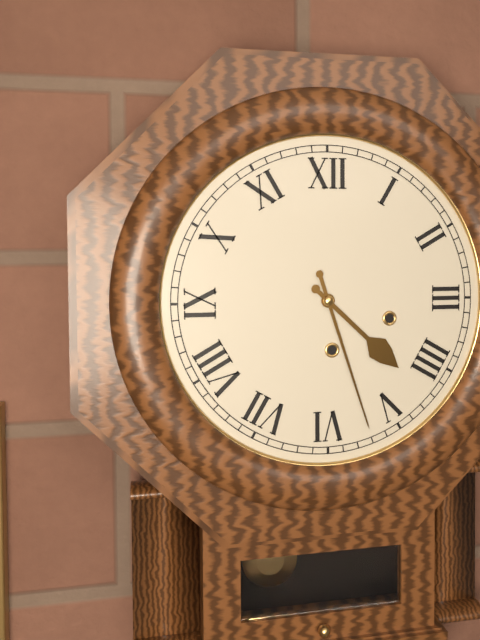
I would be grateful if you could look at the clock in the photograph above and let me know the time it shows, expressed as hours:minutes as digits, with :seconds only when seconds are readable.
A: 4:27
